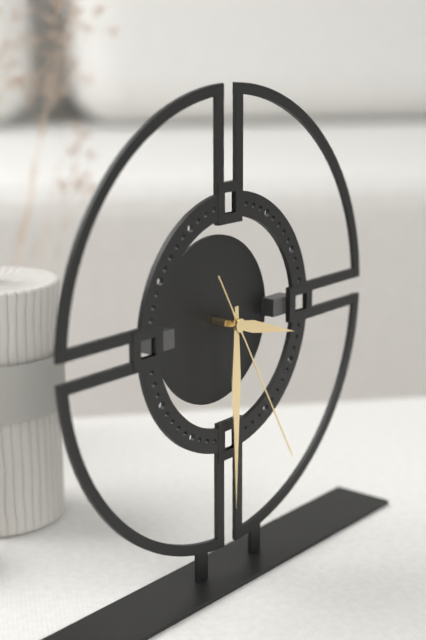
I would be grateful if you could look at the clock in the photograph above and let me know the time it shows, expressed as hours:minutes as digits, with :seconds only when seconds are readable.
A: 3:30:25
